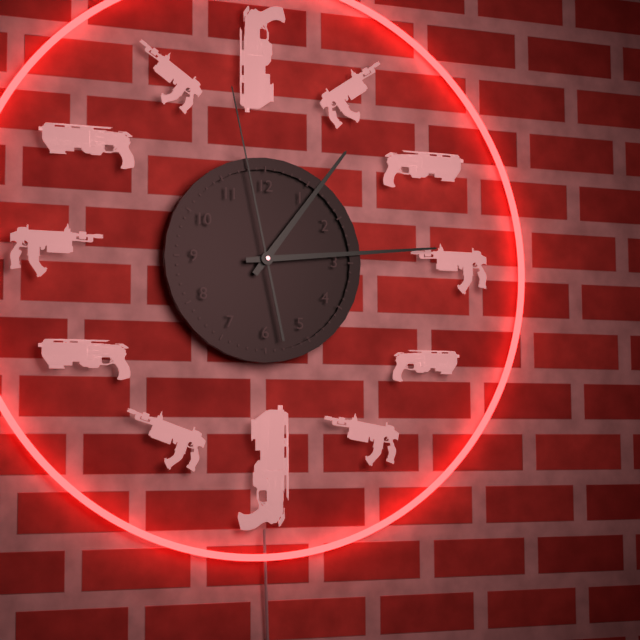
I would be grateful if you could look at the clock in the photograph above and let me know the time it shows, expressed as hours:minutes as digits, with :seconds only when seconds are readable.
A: 1:14:58
